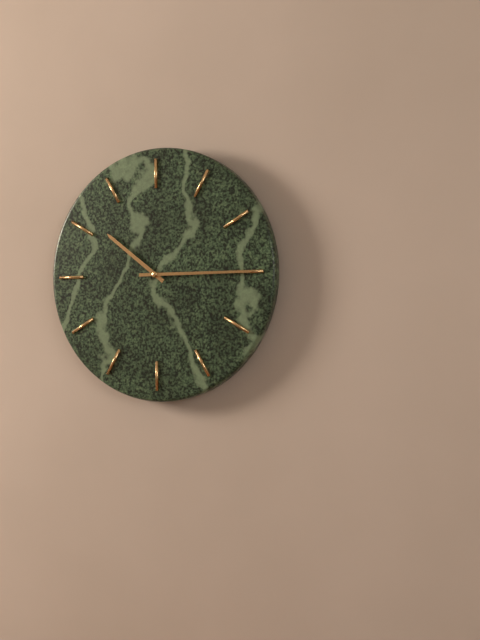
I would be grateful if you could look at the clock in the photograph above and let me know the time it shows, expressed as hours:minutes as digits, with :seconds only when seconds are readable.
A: 10:15
